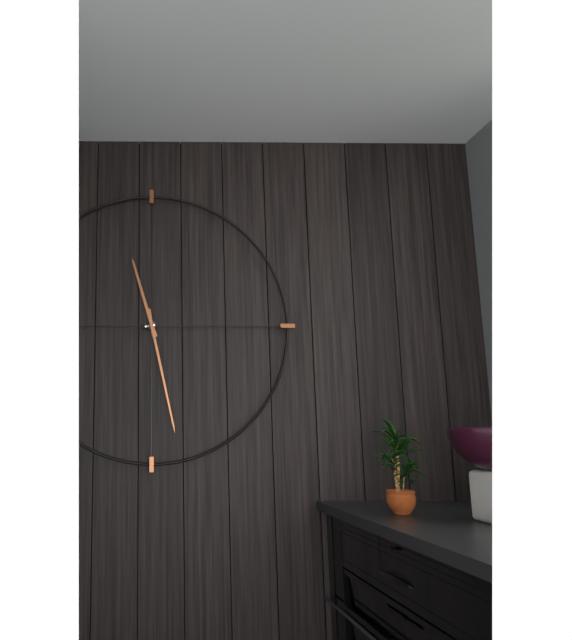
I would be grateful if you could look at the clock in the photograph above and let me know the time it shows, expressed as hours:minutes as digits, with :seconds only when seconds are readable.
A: 11:28
